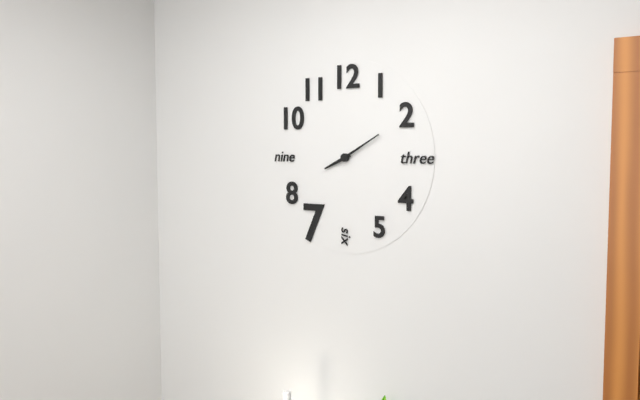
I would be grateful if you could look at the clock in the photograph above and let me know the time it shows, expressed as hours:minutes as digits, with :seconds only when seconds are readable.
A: 8:10
